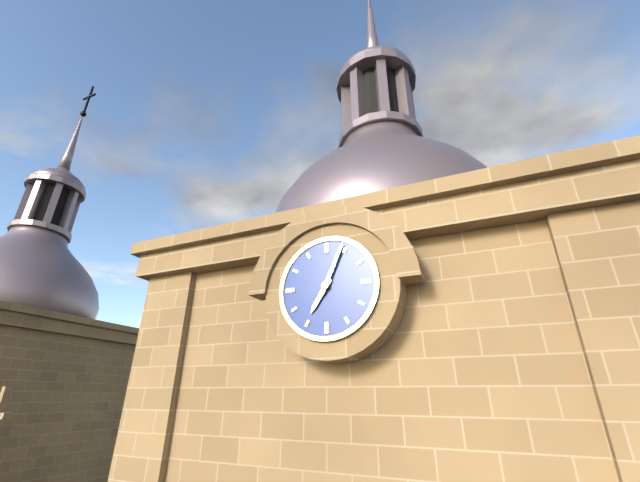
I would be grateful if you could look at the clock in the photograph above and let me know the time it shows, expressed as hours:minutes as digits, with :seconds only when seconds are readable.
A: 7:04
